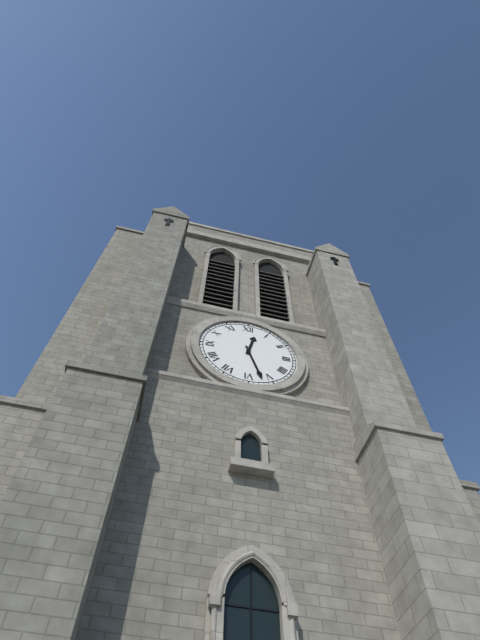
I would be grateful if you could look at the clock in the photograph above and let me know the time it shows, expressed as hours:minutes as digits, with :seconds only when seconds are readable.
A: 12:27
